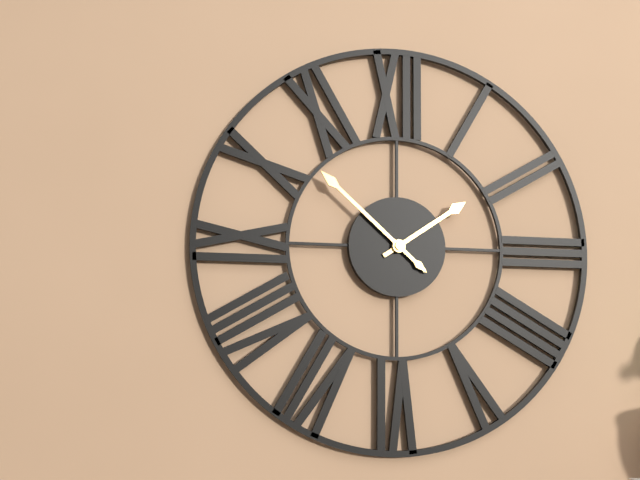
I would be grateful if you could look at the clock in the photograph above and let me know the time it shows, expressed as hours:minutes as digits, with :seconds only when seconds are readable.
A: 1:52
